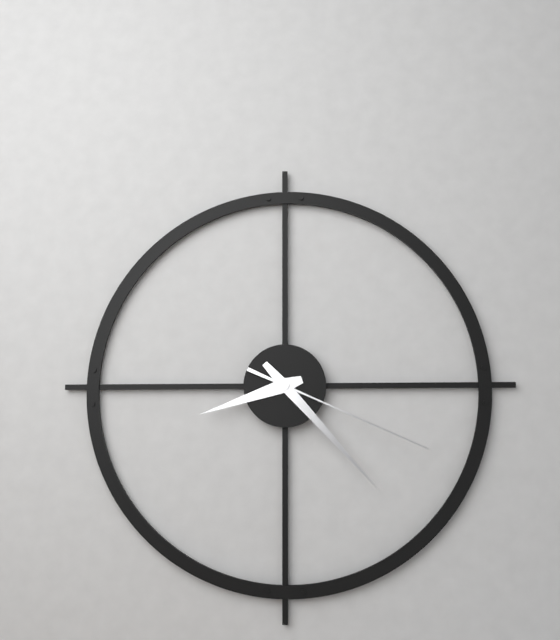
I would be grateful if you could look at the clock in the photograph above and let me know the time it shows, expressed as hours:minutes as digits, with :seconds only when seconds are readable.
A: 8:23:19
